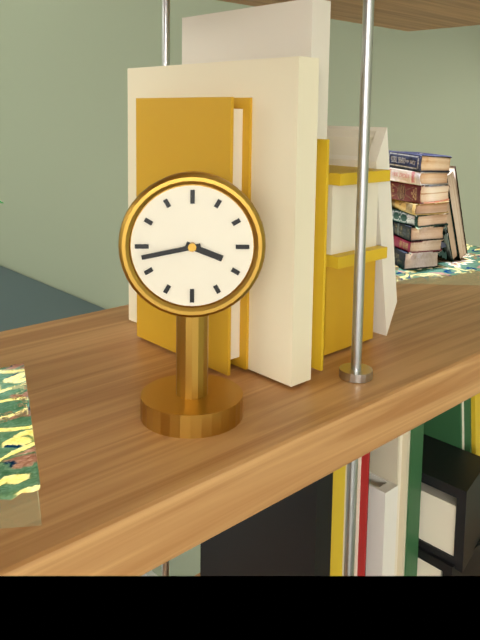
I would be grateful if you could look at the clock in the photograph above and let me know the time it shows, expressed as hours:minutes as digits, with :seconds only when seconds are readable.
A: 3:43
